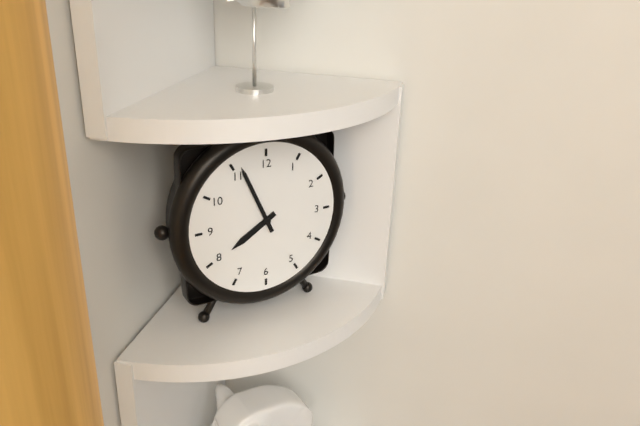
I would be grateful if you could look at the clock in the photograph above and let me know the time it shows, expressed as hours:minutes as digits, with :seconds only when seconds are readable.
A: 7:56
